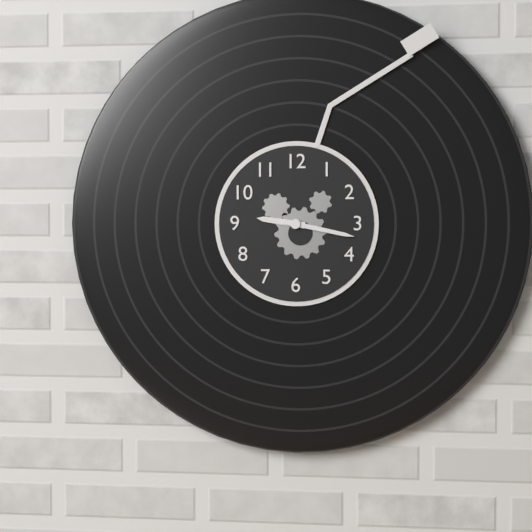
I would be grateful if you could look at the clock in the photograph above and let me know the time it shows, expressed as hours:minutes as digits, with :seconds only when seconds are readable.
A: 9:17
